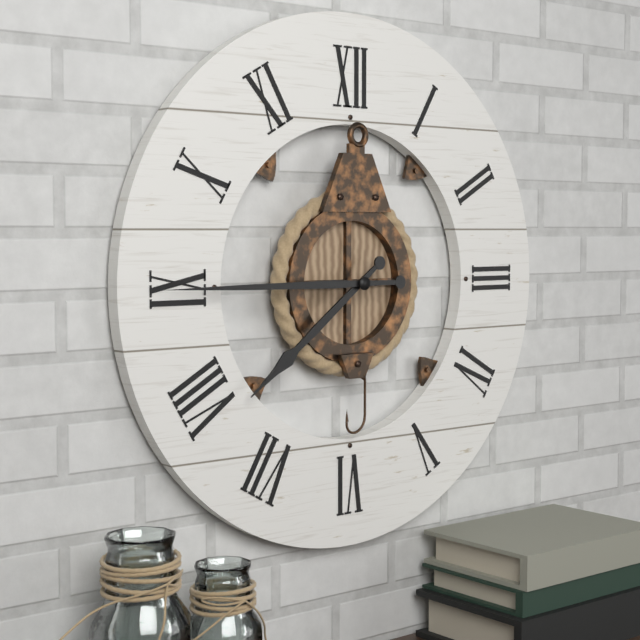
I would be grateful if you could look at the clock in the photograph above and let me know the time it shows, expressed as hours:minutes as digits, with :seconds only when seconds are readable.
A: 7:45
